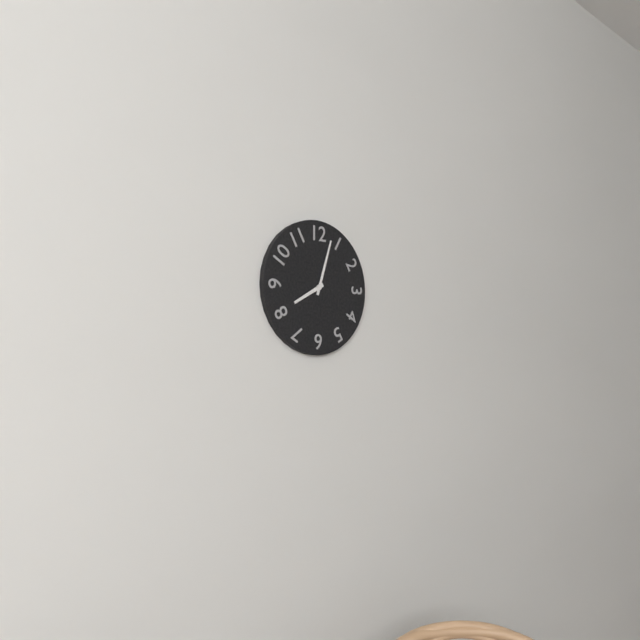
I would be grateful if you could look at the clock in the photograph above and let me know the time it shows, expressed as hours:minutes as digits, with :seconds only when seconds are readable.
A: 8:03
